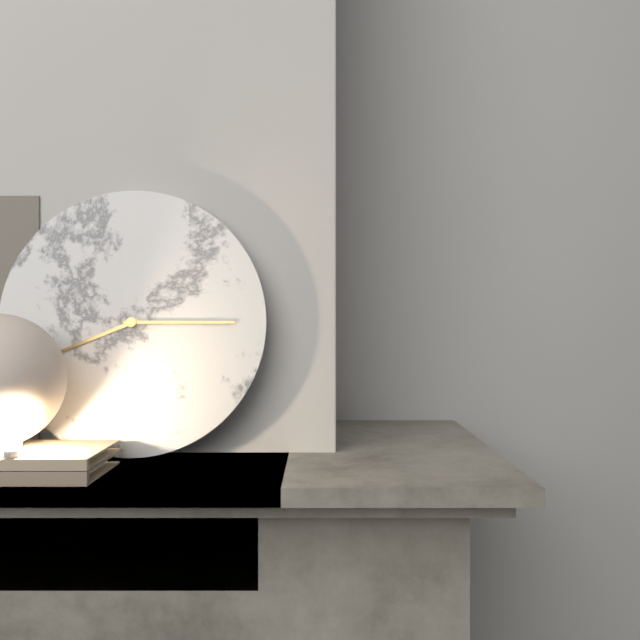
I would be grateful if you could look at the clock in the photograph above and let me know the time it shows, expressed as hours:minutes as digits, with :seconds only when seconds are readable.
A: 8:15
